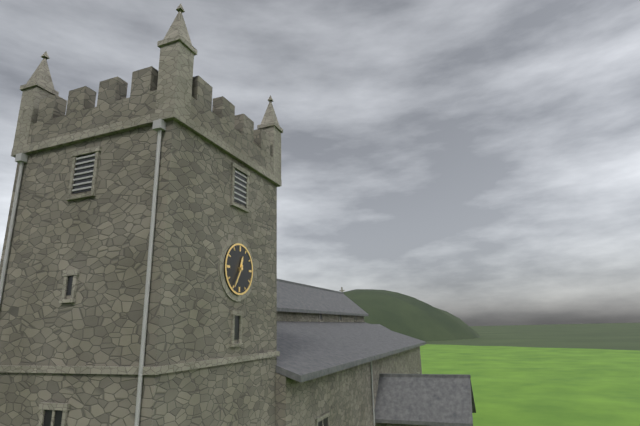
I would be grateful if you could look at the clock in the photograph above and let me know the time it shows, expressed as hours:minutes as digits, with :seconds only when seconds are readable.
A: 12:35
